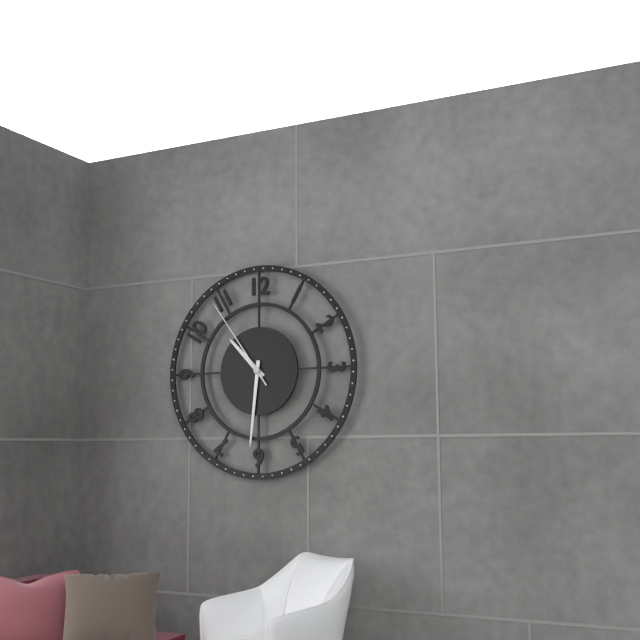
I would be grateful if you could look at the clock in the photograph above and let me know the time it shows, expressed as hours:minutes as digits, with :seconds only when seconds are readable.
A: 10:31:54
